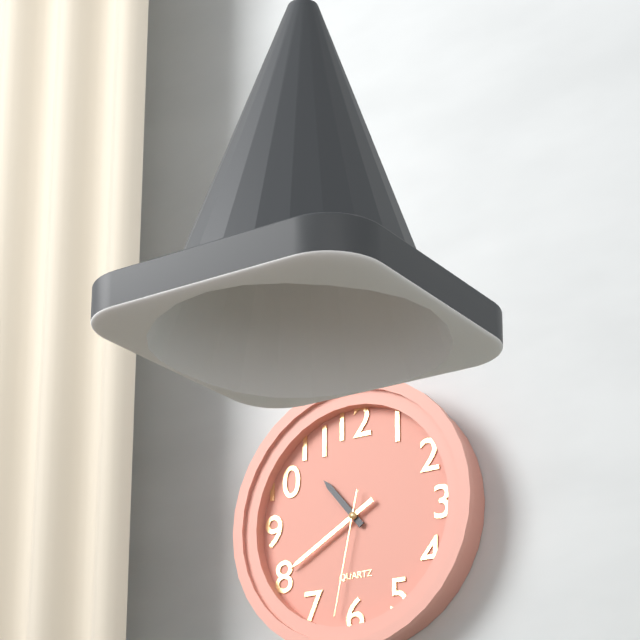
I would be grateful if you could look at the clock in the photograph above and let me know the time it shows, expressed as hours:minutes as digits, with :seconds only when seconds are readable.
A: 10:40:32
